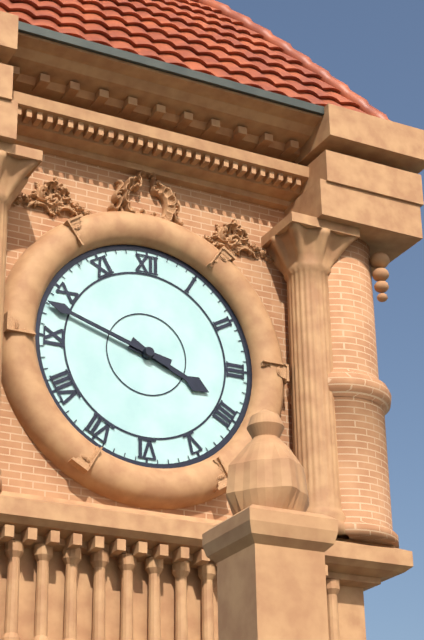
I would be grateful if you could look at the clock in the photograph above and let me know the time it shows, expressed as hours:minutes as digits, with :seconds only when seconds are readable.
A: 3:48
